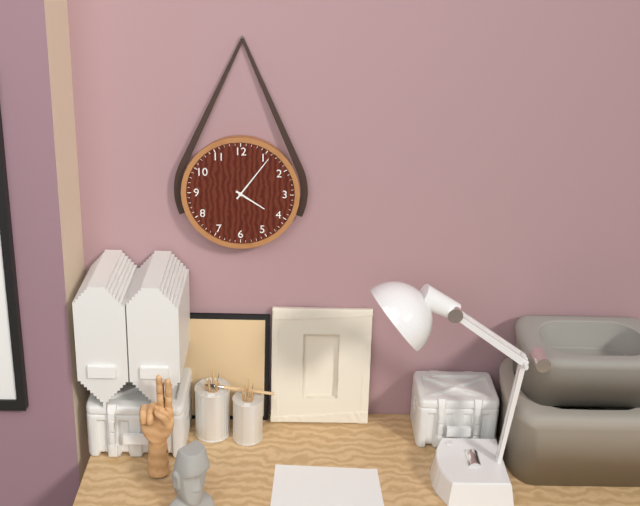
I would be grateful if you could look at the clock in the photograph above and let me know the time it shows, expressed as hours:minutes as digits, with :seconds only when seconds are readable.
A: 4:06
